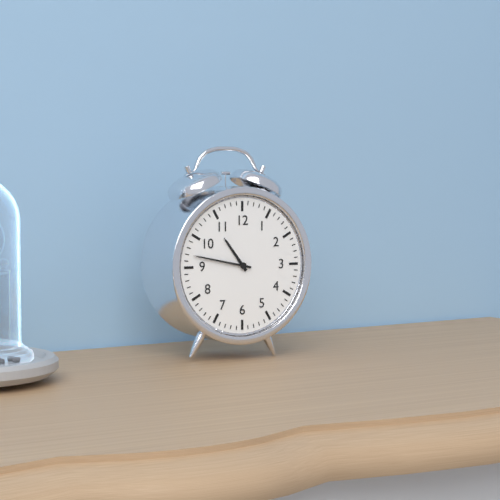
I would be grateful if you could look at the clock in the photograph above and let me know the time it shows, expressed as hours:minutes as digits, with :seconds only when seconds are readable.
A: 10:47
